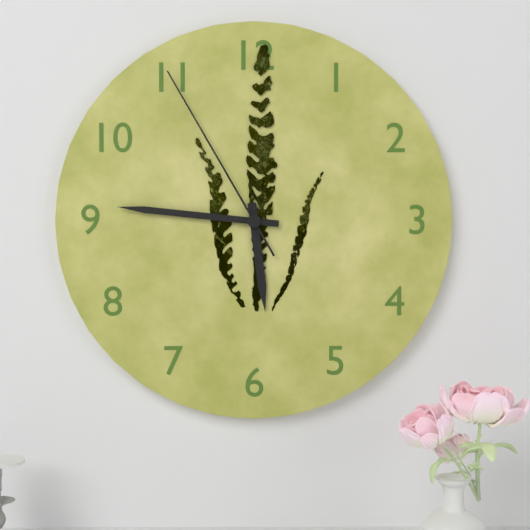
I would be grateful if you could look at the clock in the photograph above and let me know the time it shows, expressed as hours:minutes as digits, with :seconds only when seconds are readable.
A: 5:46:55
